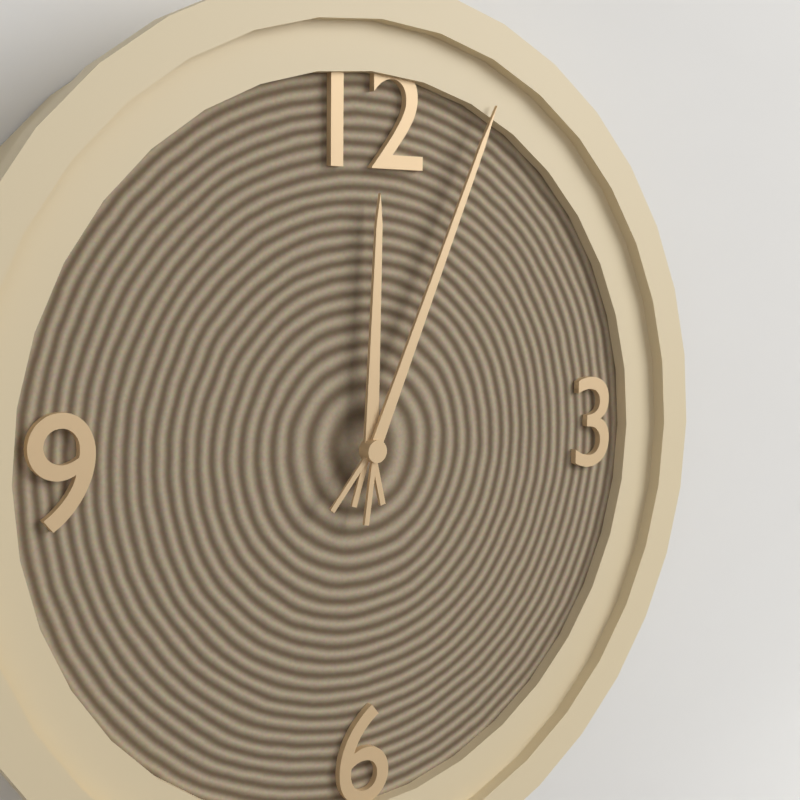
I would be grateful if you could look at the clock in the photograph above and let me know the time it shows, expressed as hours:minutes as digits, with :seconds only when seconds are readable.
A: 12:04
